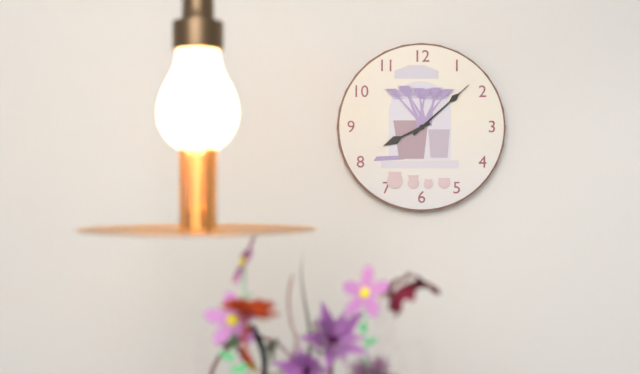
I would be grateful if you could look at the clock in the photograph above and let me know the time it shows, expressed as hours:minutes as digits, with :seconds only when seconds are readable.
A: 8:08
